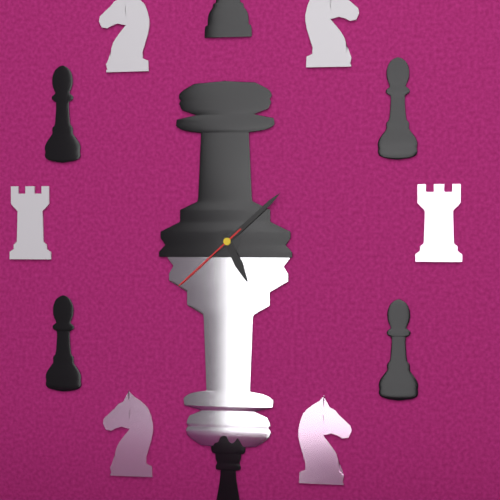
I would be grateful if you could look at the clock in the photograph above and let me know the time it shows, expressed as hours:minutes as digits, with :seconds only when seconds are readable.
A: 5:08:38
